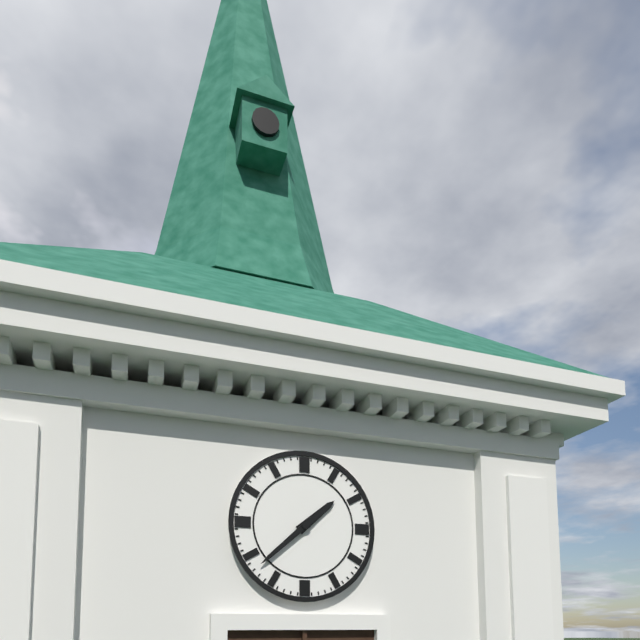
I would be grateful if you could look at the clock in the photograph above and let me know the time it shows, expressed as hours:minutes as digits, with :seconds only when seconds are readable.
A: 1:38
